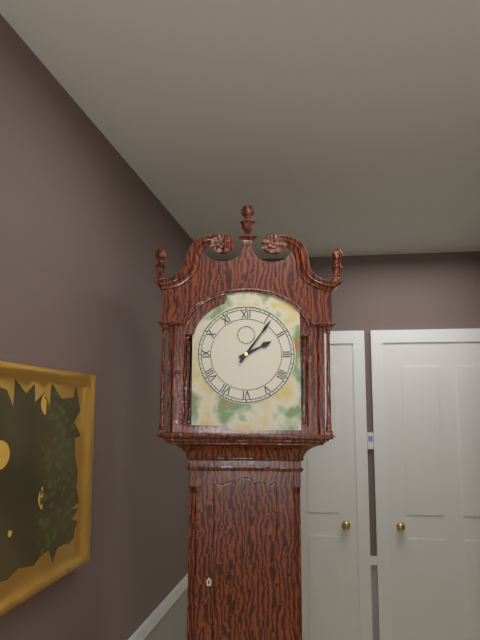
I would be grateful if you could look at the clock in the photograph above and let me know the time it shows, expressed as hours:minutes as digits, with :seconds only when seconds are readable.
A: 2:06
